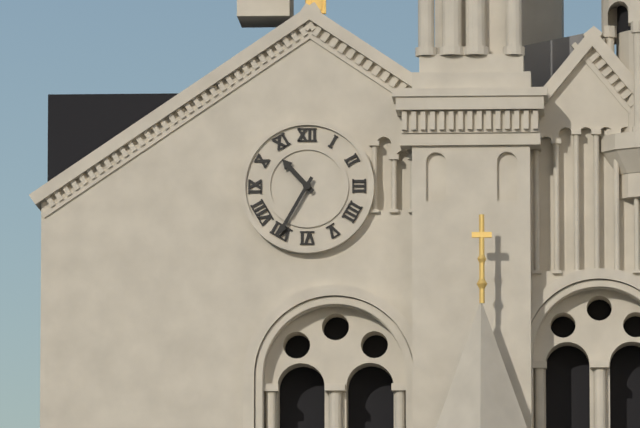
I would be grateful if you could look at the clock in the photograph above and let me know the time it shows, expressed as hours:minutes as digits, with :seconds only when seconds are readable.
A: 10:35
